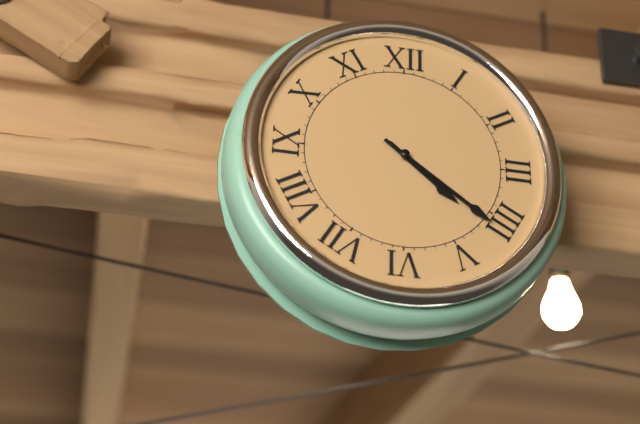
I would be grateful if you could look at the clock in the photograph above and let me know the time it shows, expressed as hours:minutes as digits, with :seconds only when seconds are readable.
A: 4:21
